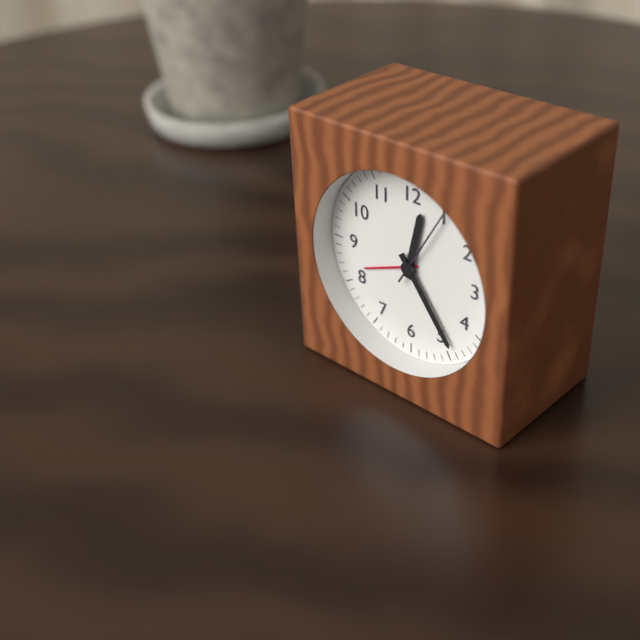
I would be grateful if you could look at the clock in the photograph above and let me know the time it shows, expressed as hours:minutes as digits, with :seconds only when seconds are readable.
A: 12:24:05
